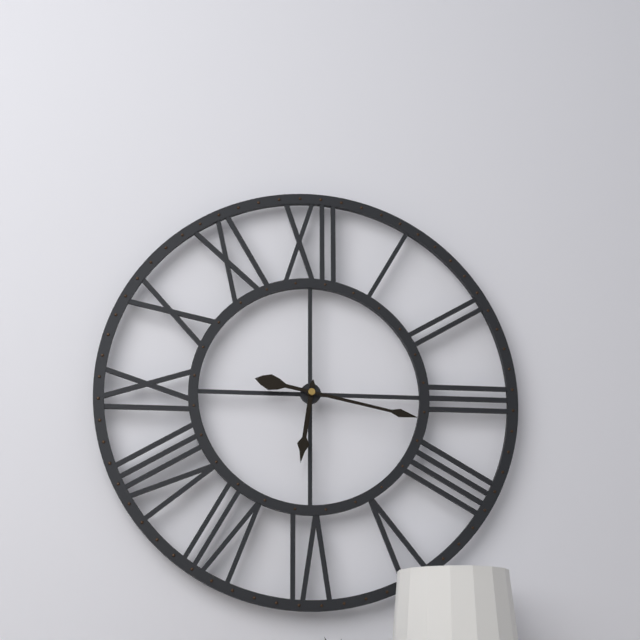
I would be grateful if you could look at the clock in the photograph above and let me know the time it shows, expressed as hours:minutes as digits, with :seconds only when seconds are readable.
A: 6:17
